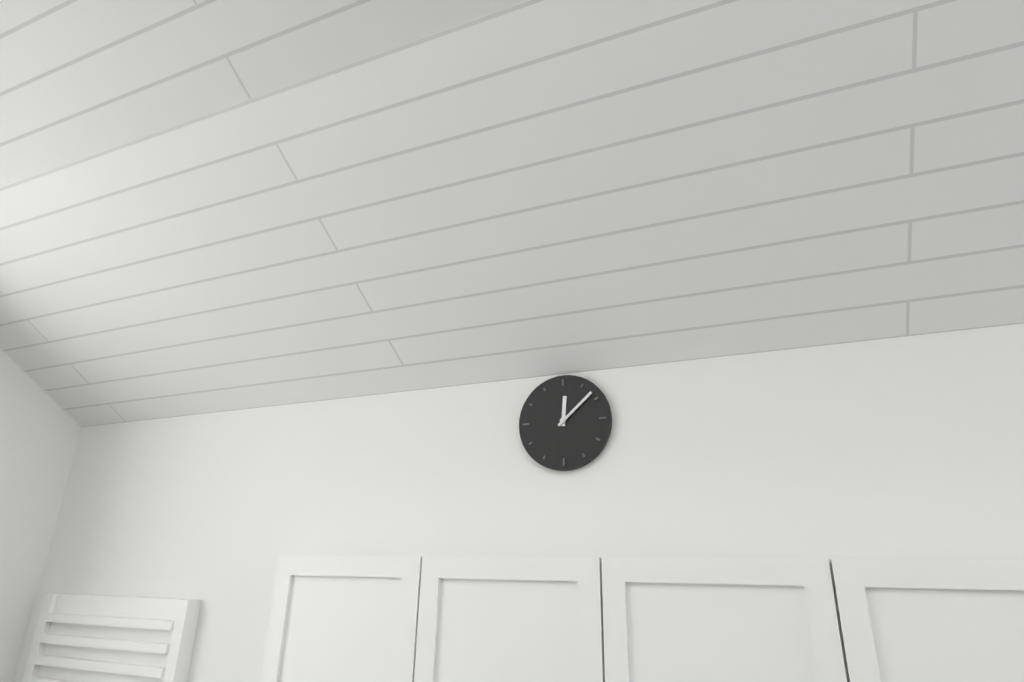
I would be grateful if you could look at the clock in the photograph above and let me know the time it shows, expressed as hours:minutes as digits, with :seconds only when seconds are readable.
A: 12:08
